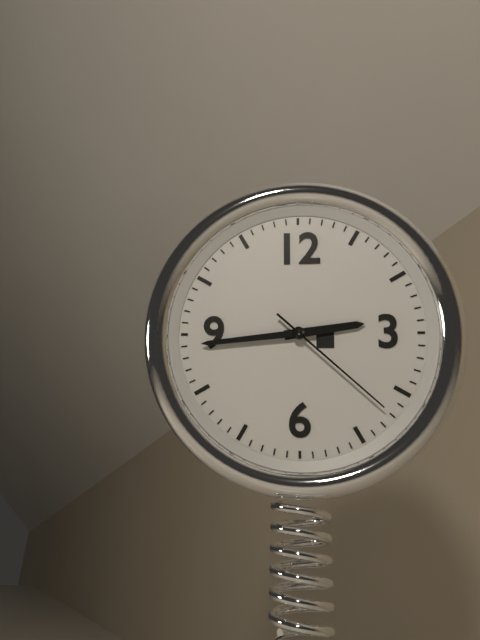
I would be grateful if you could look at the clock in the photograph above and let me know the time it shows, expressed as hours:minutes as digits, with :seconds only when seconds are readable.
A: 2:44:22
